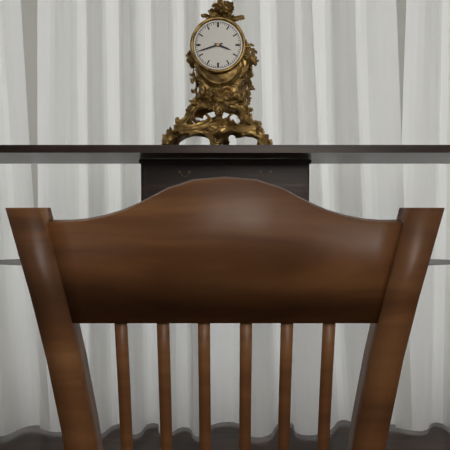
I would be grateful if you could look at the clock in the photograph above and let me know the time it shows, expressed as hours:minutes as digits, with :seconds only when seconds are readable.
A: 3:42
